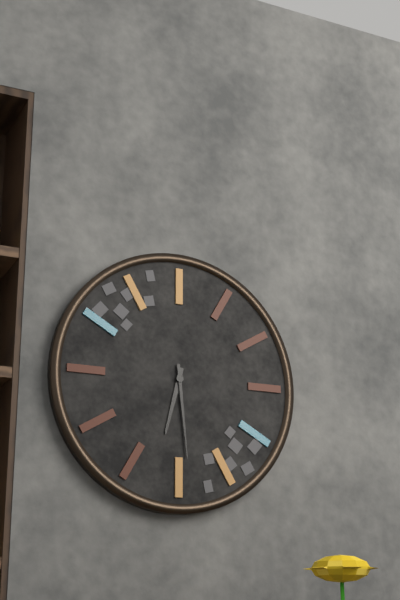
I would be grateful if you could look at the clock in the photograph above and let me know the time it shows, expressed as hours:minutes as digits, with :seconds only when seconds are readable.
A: 6:29
